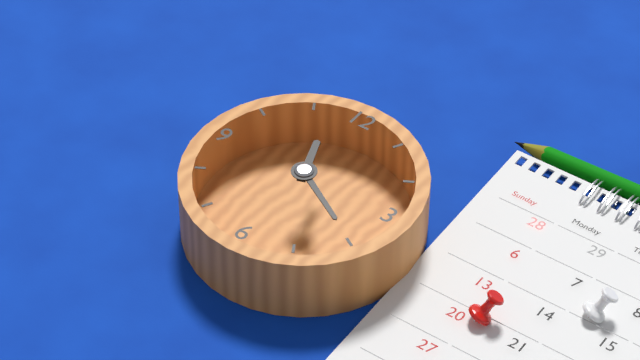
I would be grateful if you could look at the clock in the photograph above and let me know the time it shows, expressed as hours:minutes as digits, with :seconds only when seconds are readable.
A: 11:20
